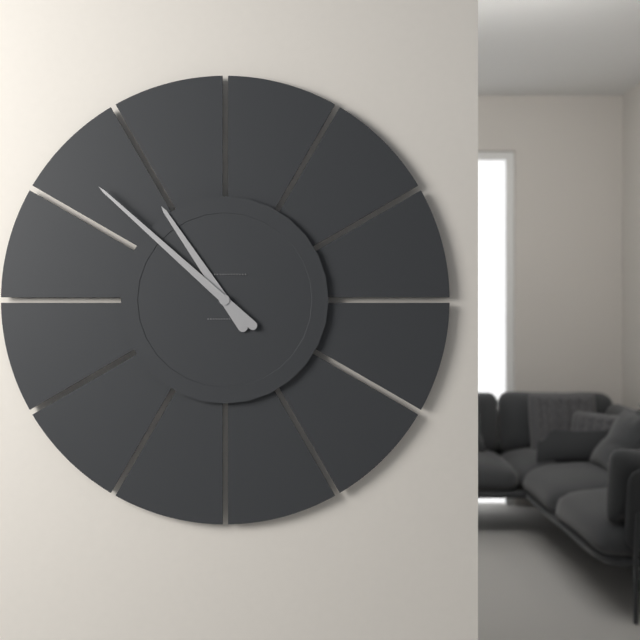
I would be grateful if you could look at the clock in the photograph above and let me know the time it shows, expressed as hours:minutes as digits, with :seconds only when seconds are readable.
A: 10:52
